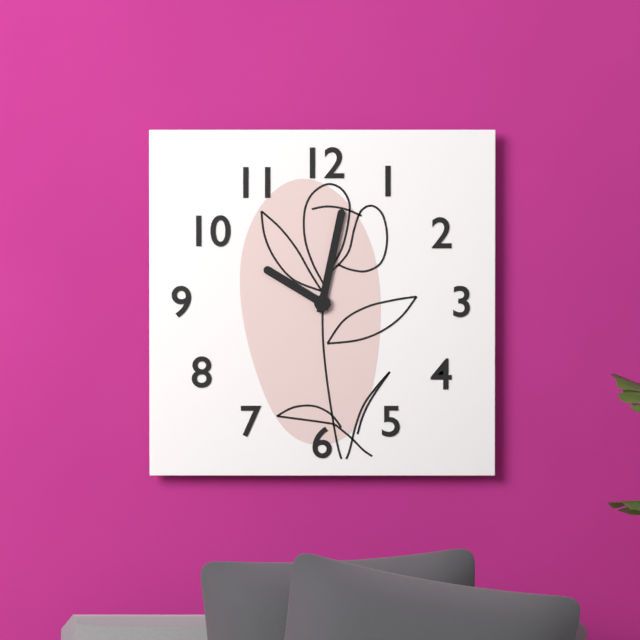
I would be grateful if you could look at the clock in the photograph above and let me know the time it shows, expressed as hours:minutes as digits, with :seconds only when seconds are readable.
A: 10:02
